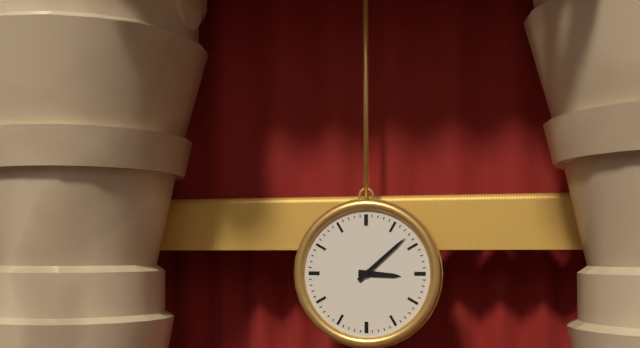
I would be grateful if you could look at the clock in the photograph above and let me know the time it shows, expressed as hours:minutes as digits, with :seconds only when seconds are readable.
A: 3:08
